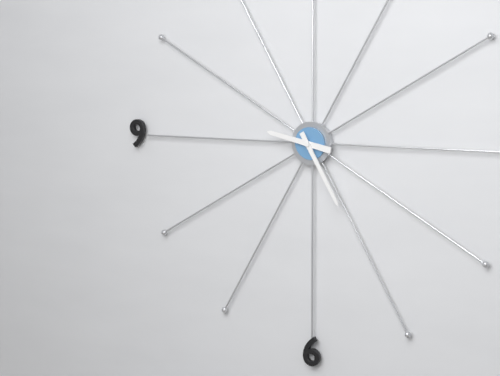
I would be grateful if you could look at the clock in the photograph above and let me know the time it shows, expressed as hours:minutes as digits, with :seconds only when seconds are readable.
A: 9:25
